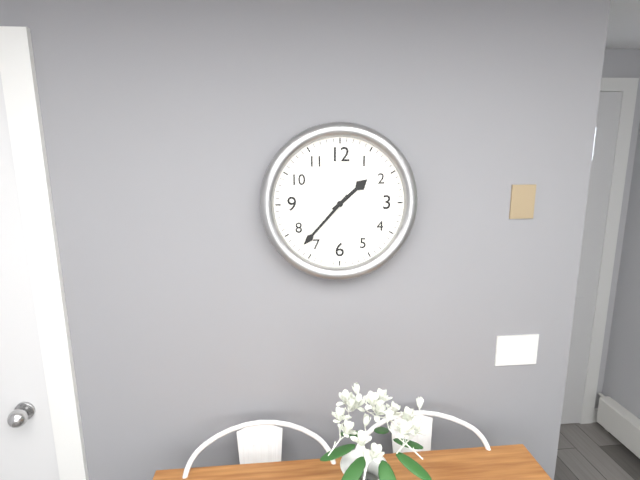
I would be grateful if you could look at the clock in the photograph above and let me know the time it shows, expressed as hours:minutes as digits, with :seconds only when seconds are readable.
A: 1:37
